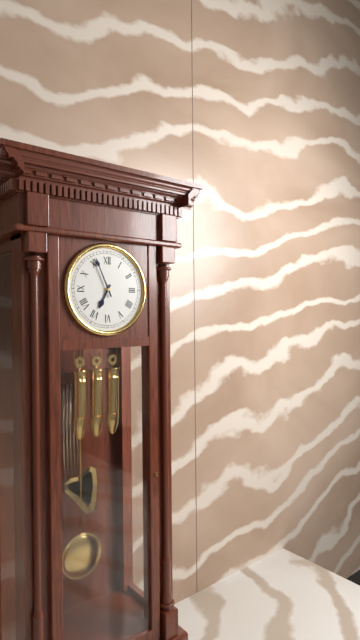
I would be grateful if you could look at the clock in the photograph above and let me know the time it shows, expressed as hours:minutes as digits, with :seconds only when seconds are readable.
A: 6:56
